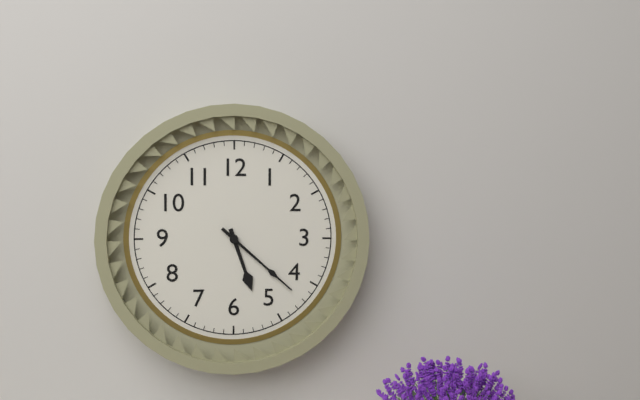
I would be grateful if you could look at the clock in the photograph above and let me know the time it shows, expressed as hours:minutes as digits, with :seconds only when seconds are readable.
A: 5:22
